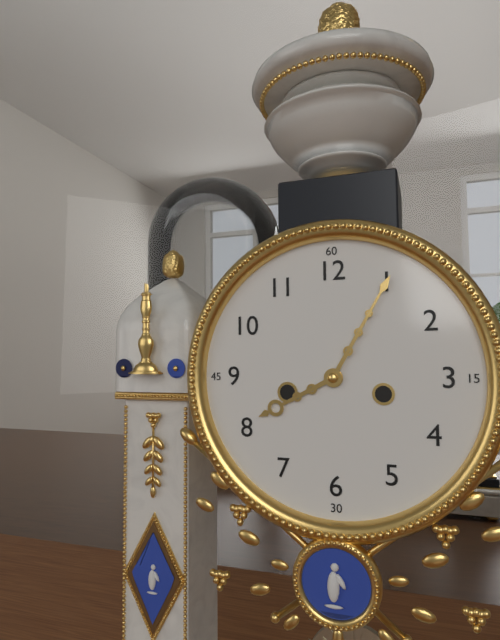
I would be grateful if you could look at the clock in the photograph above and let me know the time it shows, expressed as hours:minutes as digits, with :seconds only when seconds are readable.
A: 8:05
